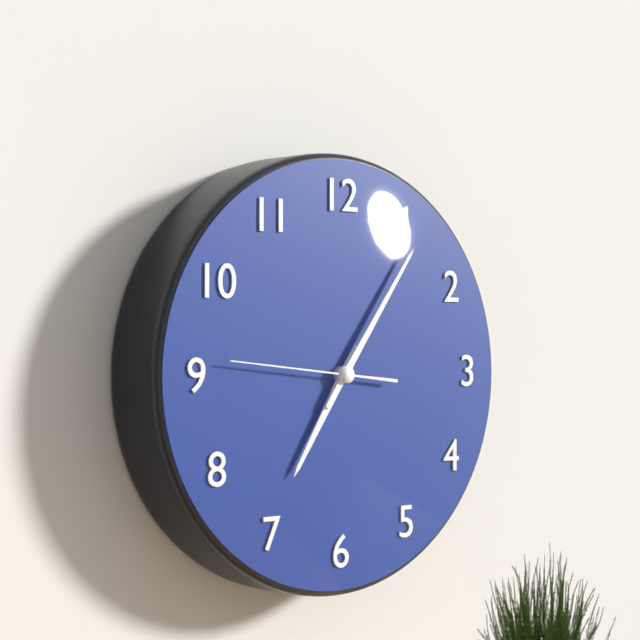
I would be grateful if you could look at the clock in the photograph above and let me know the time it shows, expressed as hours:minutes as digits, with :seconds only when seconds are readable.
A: 7:06:46
